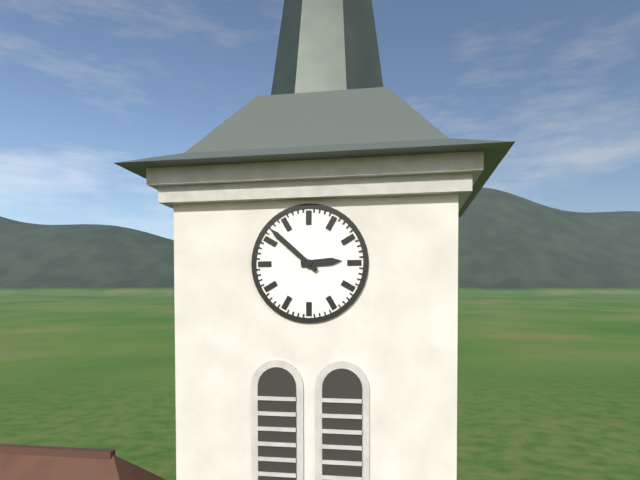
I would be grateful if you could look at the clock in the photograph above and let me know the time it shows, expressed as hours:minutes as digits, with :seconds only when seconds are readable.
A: 2:52
